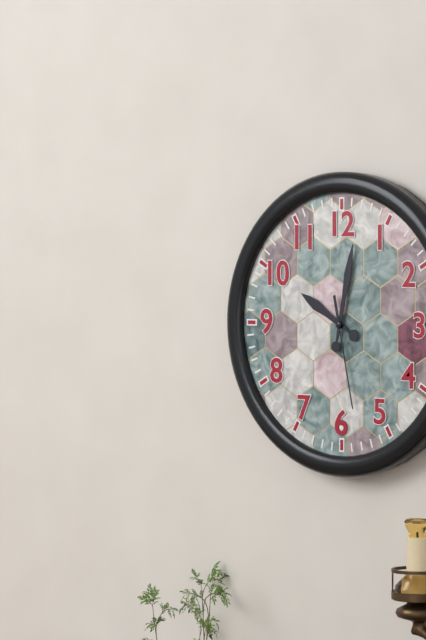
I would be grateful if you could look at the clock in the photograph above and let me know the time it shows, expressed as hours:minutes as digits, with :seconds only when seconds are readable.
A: 10:02:28
